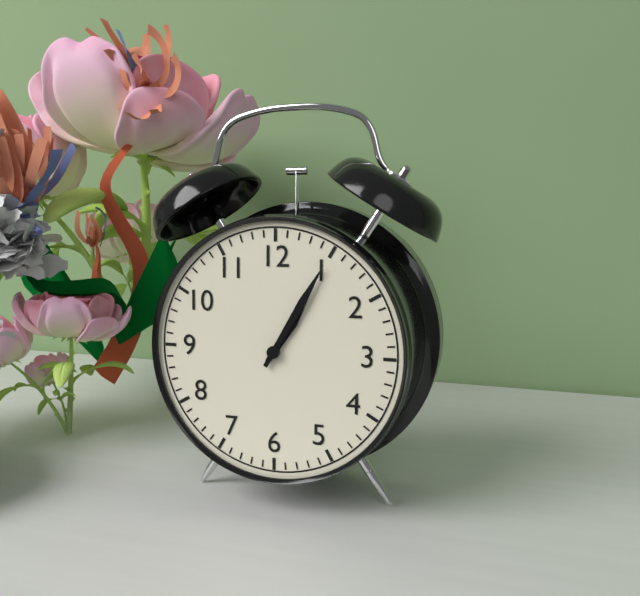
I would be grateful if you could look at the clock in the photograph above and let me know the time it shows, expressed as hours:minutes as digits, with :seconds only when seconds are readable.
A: 1:05
